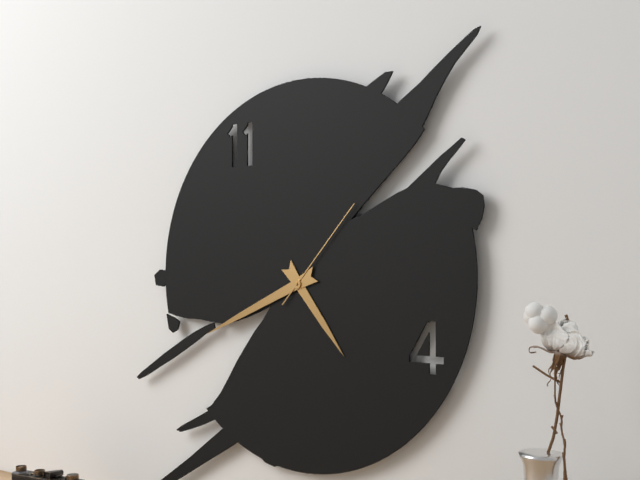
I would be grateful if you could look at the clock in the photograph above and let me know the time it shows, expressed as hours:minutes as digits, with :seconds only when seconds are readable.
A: 4:41:07
